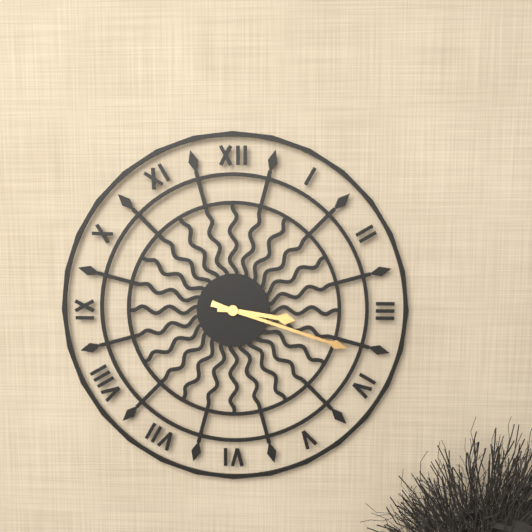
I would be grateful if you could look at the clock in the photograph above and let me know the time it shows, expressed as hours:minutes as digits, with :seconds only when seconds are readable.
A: 3:18
